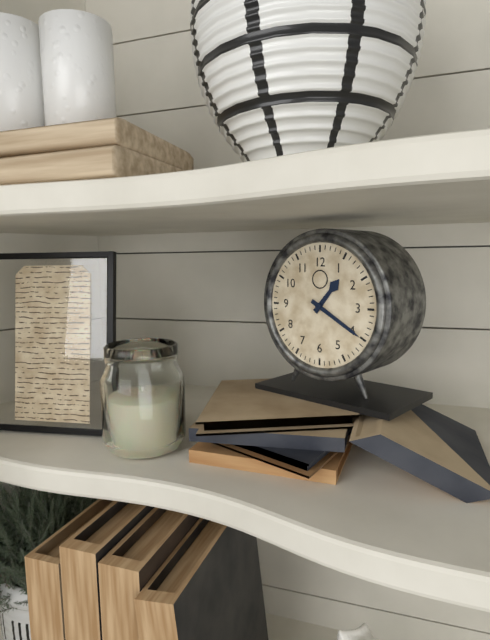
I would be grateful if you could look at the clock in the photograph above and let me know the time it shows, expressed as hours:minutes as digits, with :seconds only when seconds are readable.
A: 1:20
